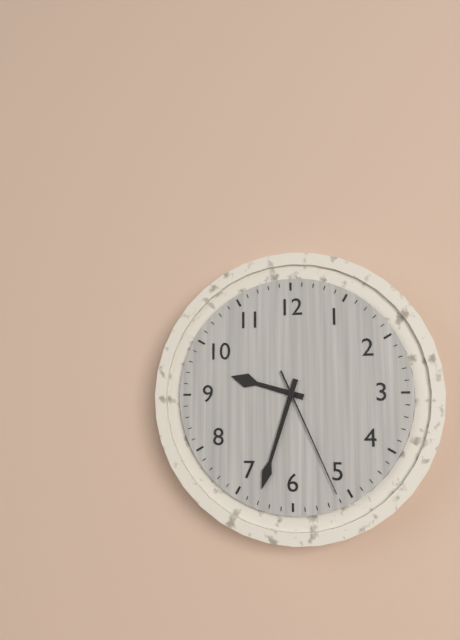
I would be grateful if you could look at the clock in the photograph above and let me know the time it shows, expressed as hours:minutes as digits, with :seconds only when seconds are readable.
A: 9:33:26
